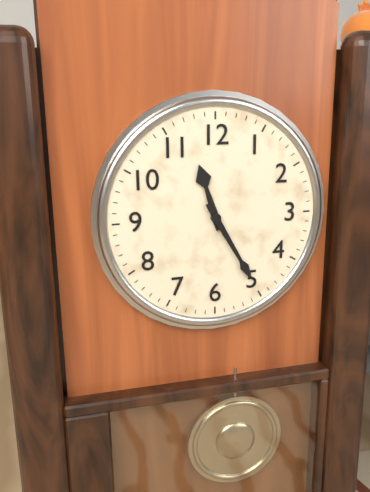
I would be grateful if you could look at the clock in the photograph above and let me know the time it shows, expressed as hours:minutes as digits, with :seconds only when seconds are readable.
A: 11:25
